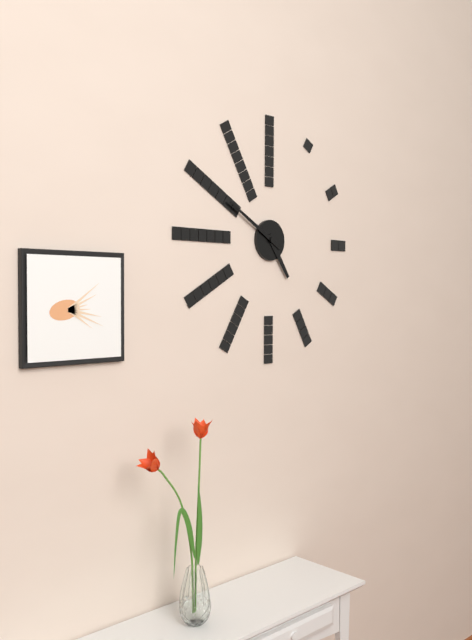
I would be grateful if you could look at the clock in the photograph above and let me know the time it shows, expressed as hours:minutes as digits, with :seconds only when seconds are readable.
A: 4:50
